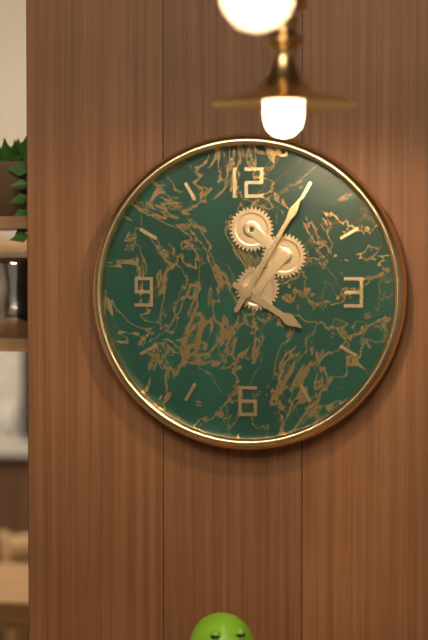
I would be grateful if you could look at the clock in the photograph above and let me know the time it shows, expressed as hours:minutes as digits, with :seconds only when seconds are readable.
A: 4:05
